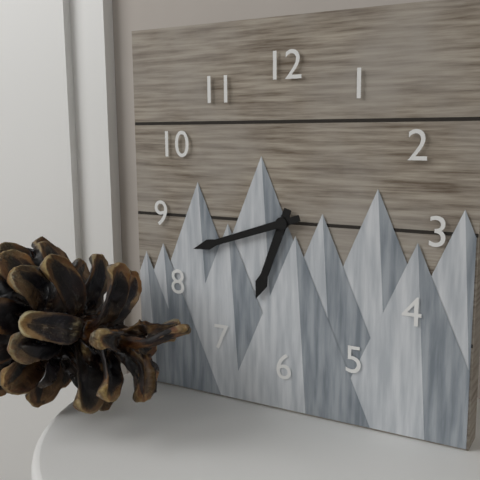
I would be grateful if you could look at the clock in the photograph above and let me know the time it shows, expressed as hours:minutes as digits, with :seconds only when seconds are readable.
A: 6:42
